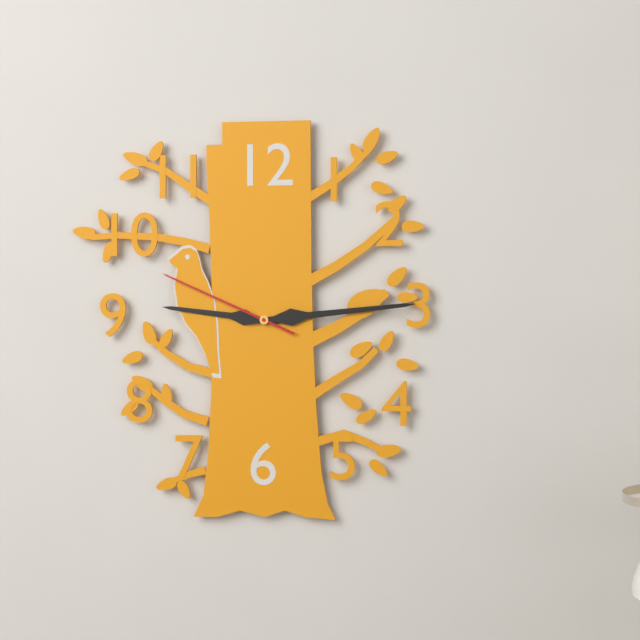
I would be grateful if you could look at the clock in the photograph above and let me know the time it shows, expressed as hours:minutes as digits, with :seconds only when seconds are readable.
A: 9:14:49
